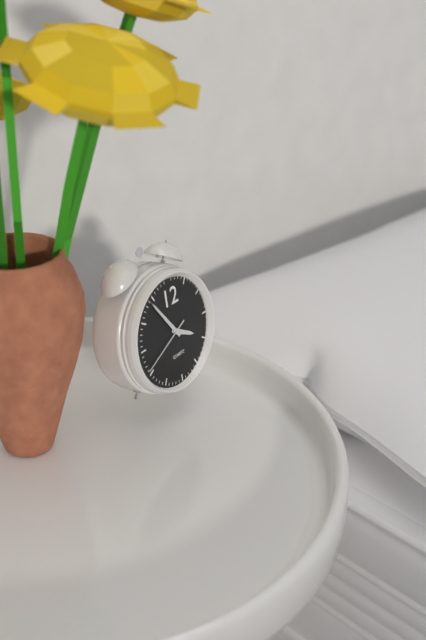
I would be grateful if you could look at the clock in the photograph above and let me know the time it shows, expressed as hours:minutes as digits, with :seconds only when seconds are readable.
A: 3:54:41
